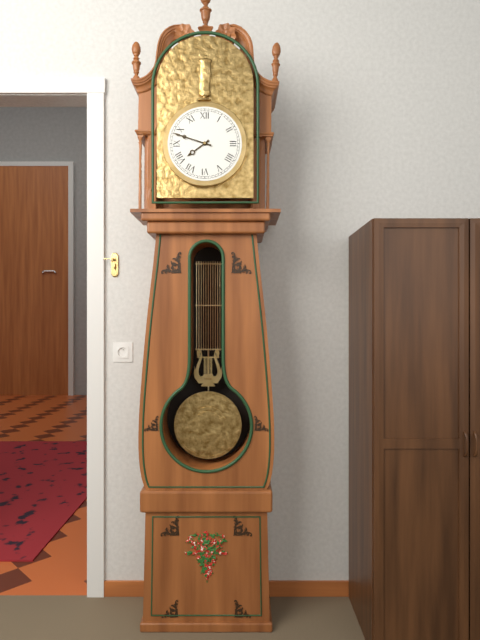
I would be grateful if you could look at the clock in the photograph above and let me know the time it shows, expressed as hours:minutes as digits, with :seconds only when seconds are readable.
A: 7:48
